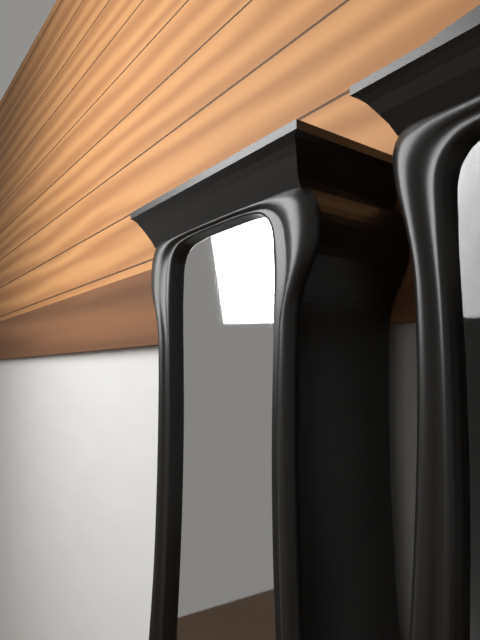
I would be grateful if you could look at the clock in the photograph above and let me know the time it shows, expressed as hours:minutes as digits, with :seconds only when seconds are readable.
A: 9:44
